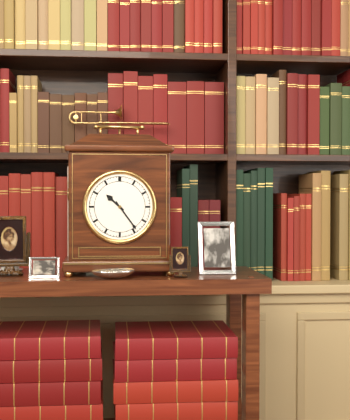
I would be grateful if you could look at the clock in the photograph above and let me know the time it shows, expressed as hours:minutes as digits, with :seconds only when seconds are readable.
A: 10:24
